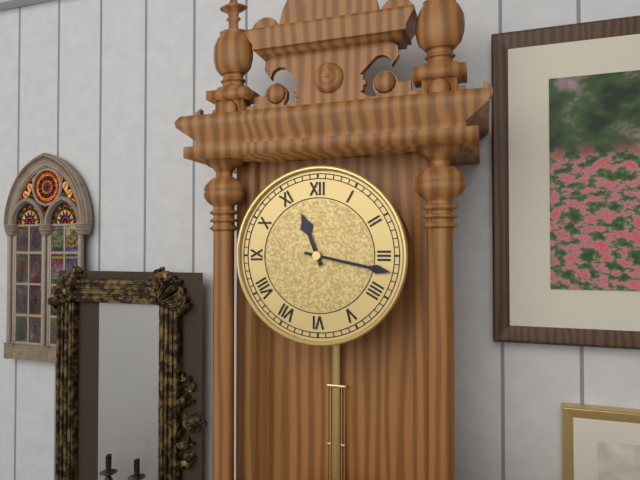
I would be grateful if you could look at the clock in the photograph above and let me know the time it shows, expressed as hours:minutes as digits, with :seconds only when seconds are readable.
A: 11:17
